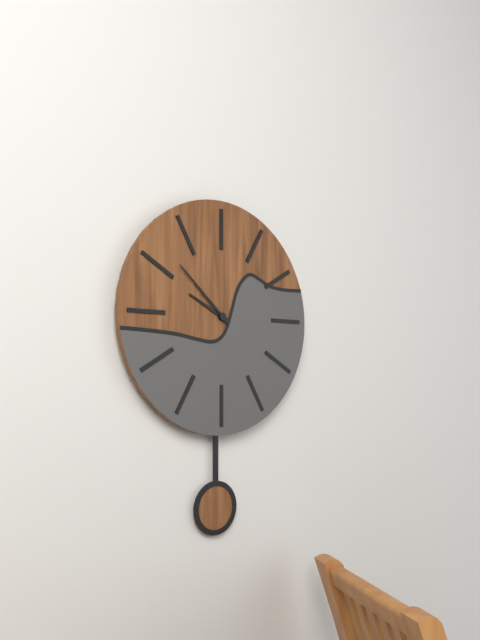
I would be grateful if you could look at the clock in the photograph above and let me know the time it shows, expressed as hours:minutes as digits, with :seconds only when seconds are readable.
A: 9:52
